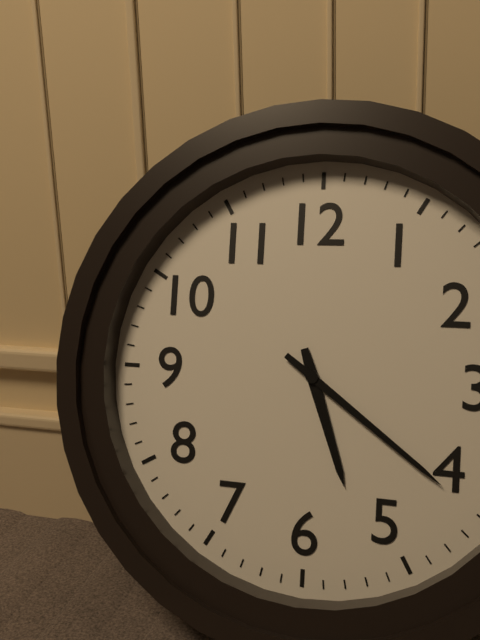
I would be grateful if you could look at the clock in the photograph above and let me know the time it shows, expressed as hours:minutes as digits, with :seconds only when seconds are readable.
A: 5:21
